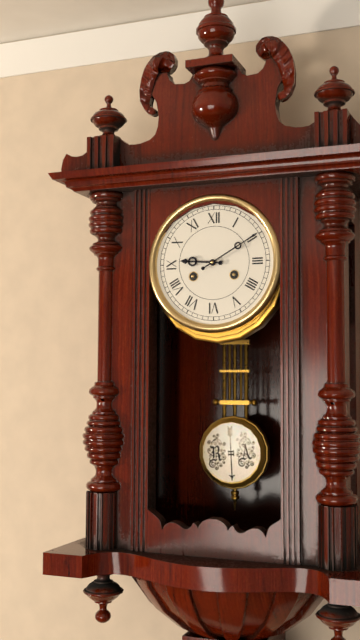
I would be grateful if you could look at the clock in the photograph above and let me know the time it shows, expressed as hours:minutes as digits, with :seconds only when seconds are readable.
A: 9:10
